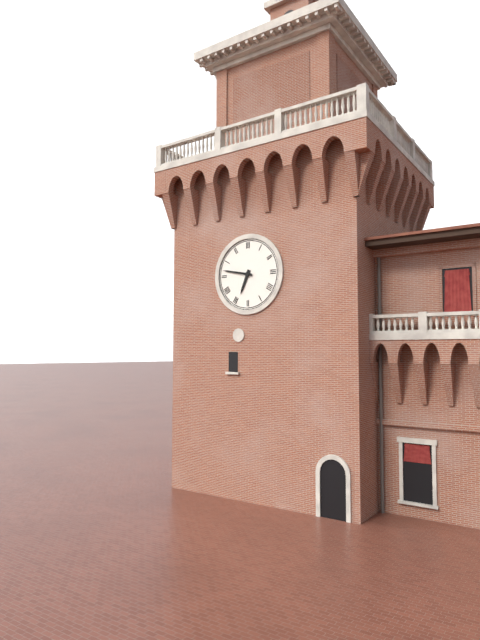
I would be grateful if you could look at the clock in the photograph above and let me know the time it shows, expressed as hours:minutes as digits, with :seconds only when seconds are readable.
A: 6:47
